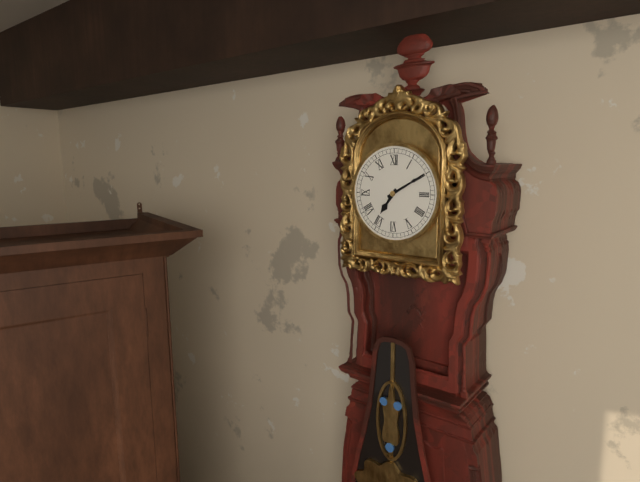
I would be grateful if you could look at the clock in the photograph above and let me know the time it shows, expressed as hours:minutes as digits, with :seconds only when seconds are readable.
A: 7:10
